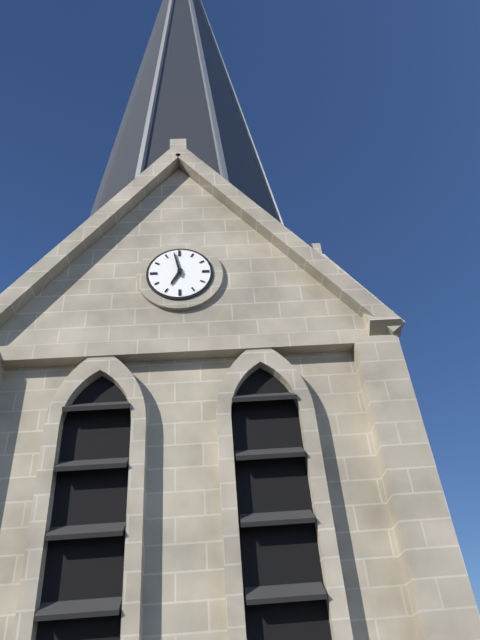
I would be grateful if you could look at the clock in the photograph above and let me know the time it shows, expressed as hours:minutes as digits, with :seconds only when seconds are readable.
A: 6:58
